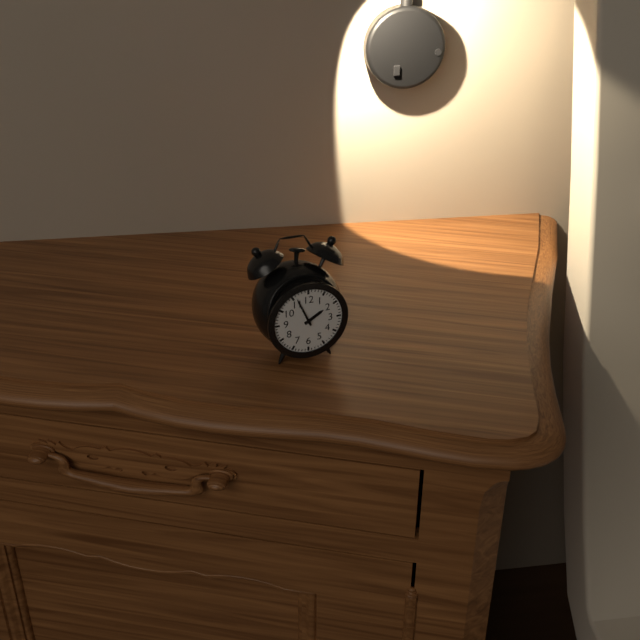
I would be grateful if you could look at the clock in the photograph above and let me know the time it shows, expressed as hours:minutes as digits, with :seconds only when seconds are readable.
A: 1:56
